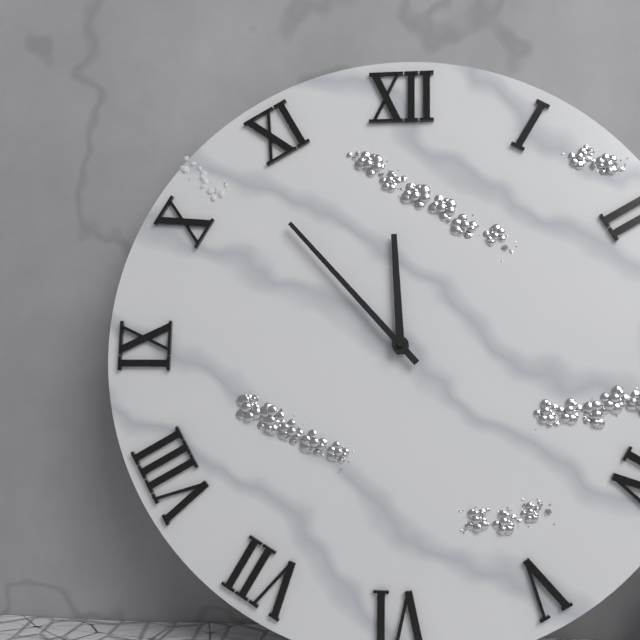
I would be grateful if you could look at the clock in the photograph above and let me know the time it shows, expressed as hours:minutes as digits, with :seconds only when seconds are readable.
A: 11:53
